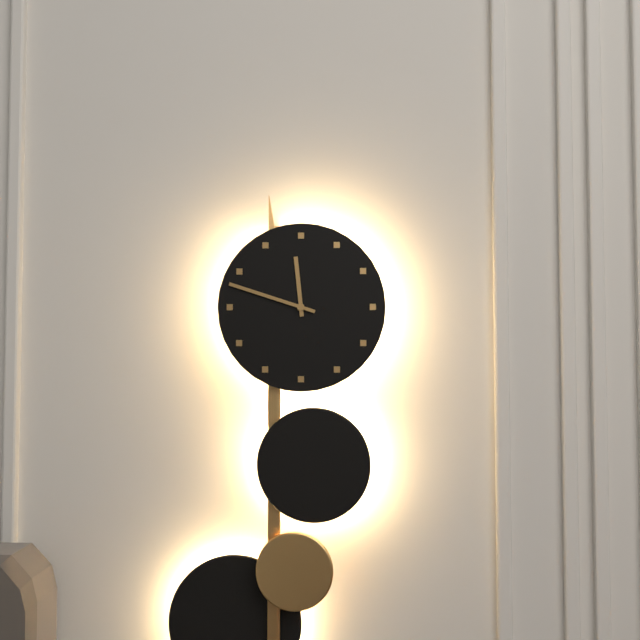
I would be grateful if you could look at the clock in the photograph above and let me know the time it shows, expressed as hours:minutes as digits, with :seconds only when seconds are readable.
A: 11:48
